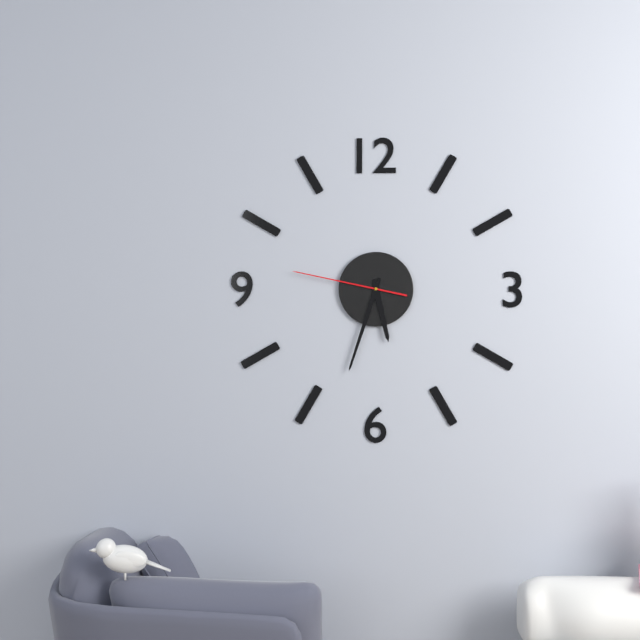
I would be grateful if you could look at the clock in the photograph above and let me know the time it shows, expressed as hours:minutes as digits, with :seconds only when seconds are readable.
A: 5:33:47
